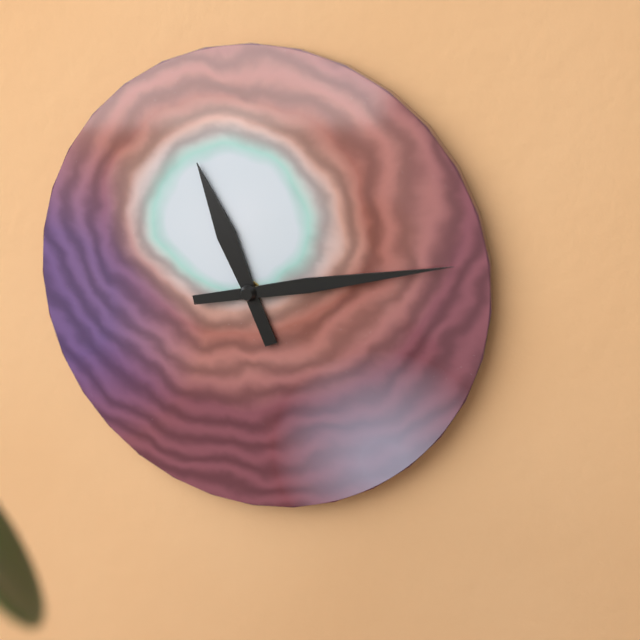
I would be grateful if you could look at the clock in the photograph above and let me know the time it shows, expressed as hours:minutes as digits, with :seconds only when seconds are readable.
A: 11:13
